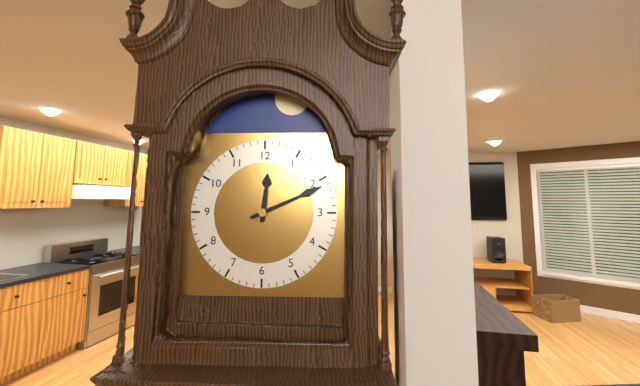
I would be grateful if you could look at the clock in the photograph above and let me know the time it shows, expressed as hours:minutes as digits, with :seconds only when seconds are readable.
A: 12:11
